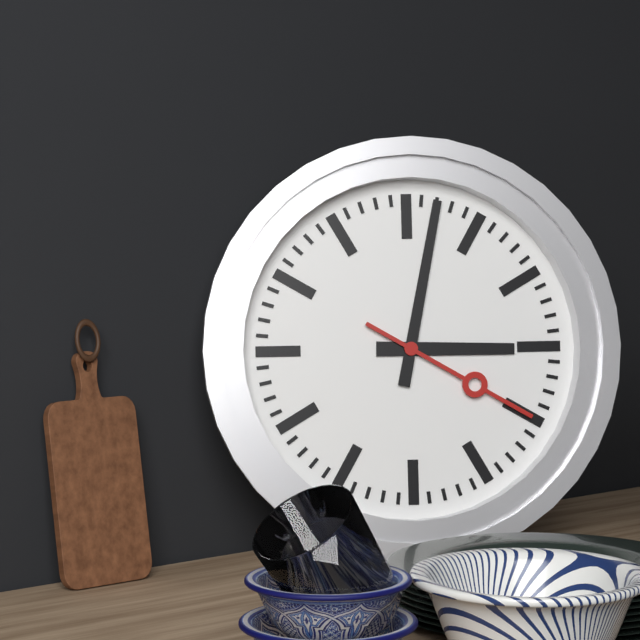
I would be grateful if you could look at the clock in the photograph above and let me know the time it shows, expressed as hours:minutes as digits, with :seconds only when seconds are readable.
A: 3:02:20
